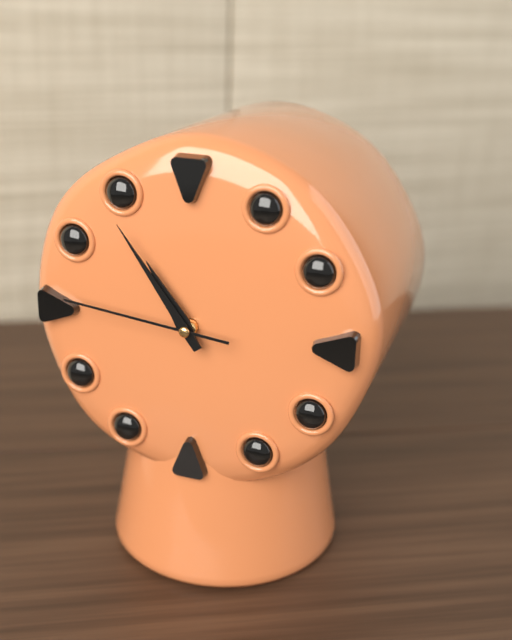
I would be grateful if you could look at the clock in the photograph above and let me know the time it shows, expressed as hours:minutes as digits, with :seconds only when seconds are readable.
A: 10:54:46
